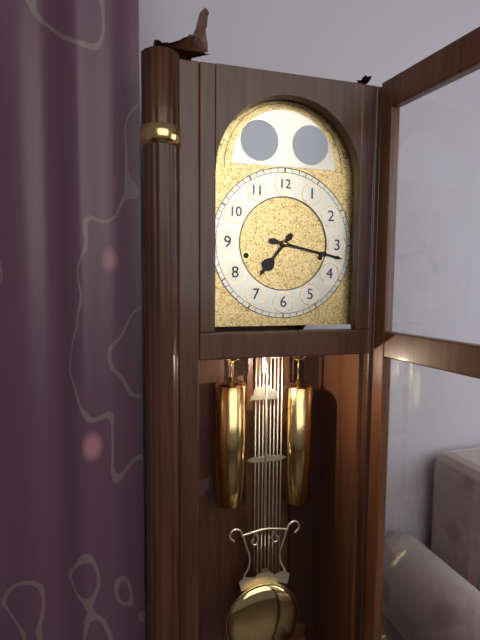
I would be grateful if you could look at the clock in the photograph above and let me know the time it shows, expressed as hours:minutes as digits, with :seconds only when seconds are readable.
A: 7:17
